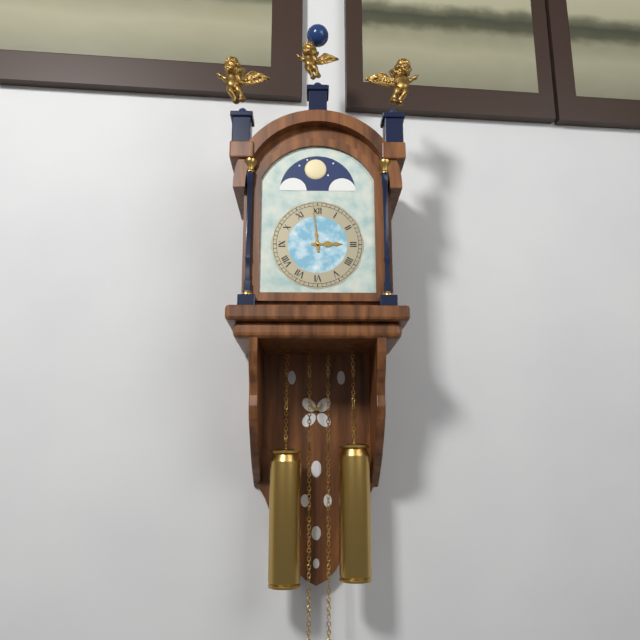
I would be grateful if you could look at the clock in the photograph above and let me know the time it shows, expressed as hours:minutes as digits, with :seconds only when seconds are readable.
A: 2:59
